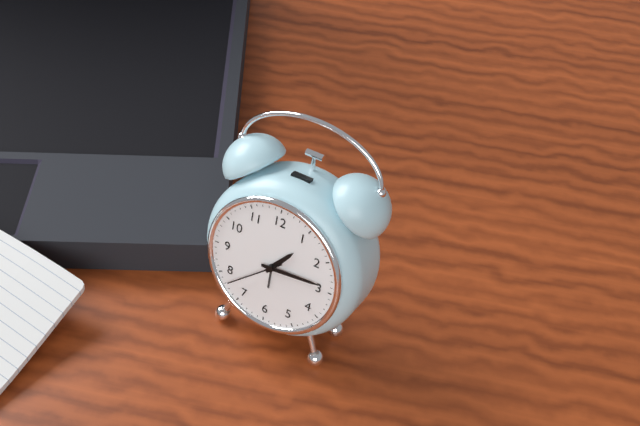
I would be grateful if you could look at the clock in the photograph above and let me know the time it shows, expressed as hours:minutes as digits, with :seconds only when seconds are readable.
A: 1:14:38
